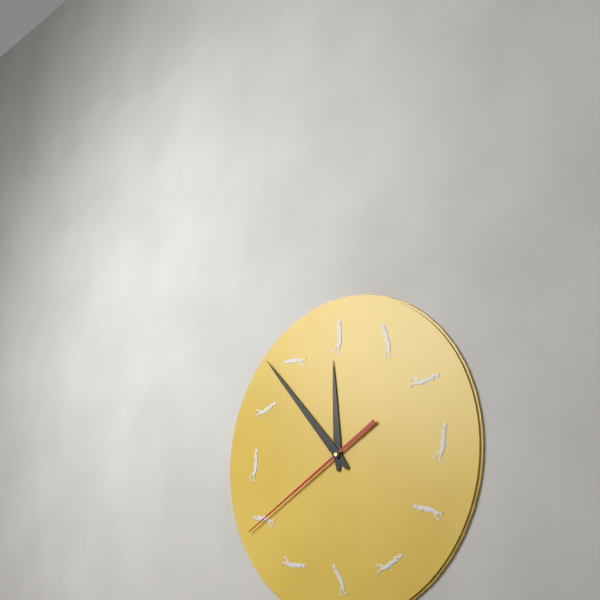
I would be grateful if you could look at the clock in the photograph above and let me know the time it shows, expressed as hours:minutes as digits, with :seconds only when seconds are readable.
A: 11:53:40
